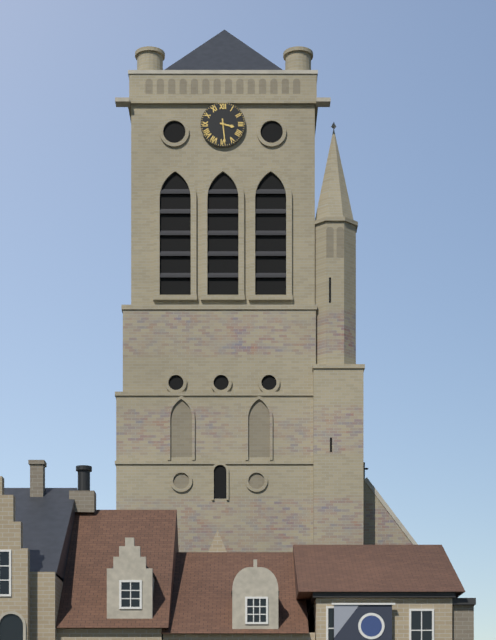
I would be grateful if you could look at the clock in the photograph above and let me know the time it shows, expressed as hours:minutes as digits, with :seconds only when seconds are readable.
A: 3:29
